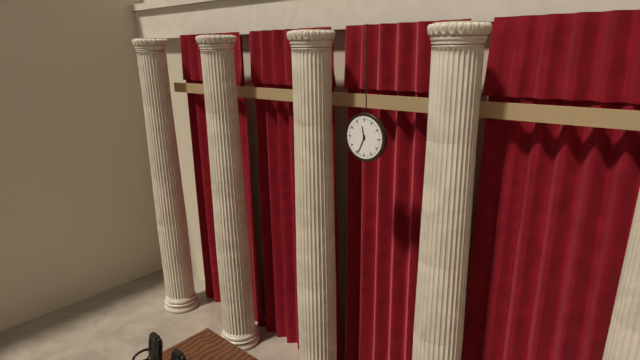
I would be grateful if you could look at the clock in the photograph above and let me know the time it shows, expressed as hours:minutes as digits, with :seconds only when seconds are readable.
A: 11:34
